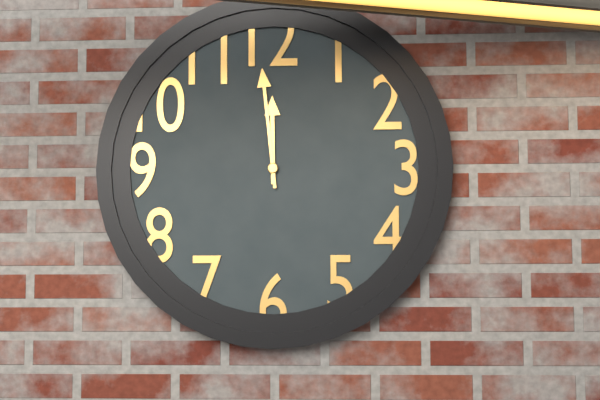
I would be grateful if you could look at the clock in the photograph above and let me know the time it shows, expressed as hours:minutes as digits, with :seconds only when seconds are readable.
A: 11:59
